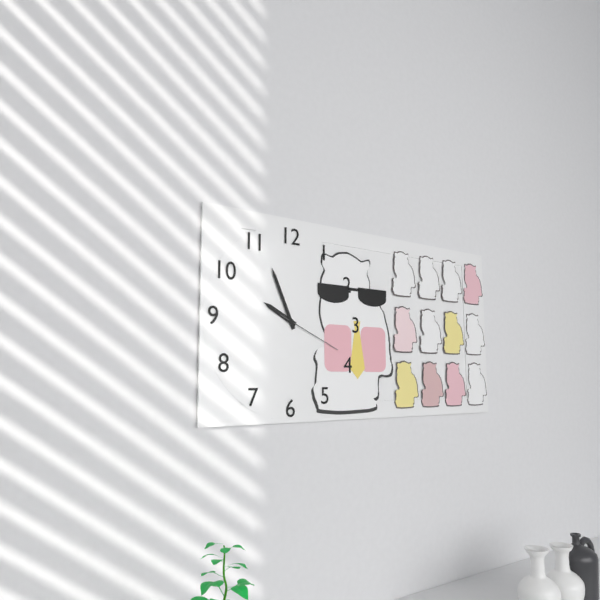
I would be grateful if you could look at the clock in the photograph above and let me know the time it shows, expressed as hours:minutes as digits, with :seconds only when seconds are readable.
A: 9:56:19
